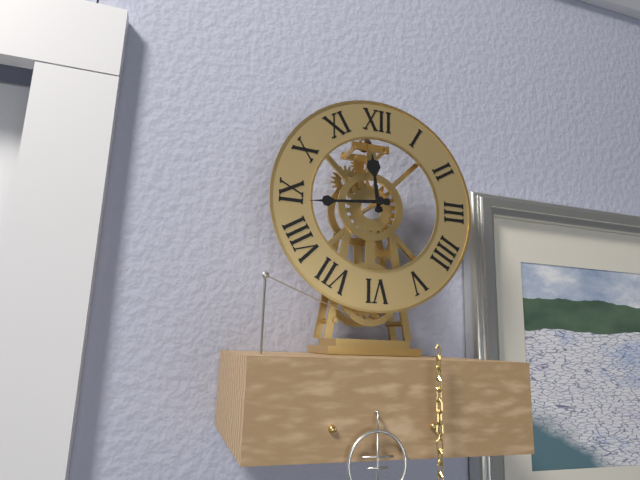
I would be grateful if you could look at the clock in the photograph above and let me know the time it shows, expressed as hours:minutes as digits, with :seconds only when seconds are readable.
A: 11:44
